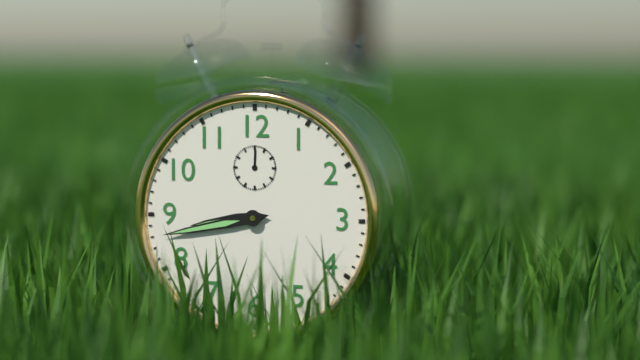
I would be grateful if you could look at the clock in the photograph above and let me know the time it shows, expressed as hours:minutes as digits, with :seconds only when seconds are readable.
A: 8:43
